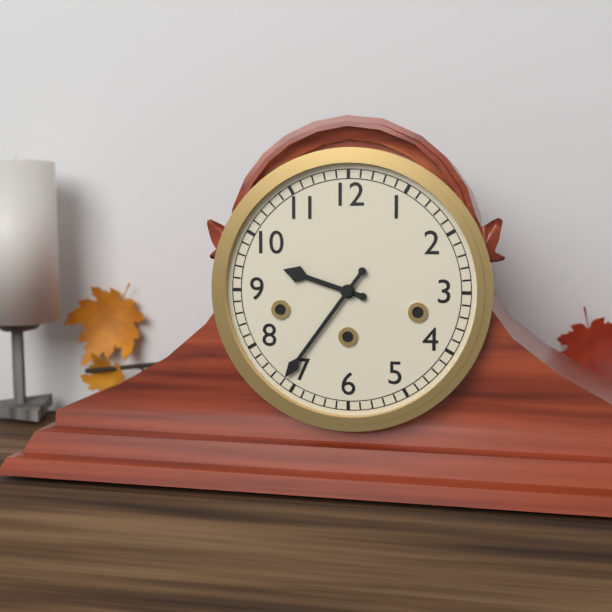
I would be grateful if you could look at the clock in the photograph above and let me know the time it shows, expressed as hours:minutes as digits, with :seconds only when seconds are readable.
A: 9:36
